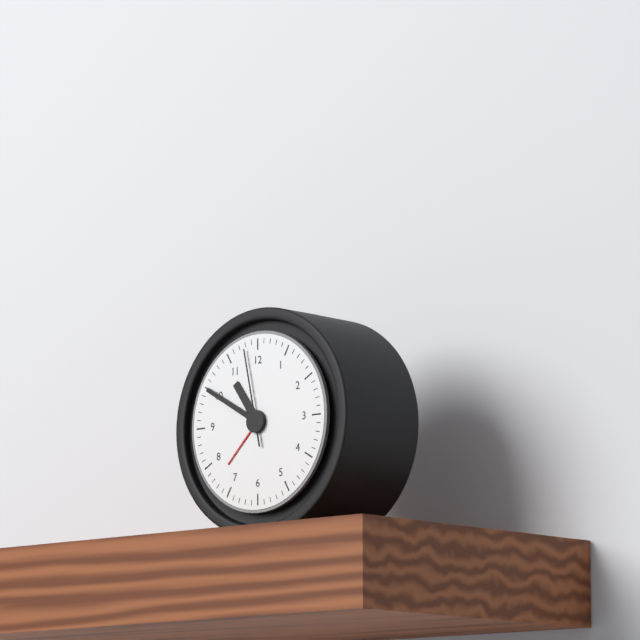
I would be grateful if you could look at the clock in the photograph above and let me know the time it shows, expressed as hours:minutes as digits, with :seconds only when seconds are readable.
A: 10:50:58
